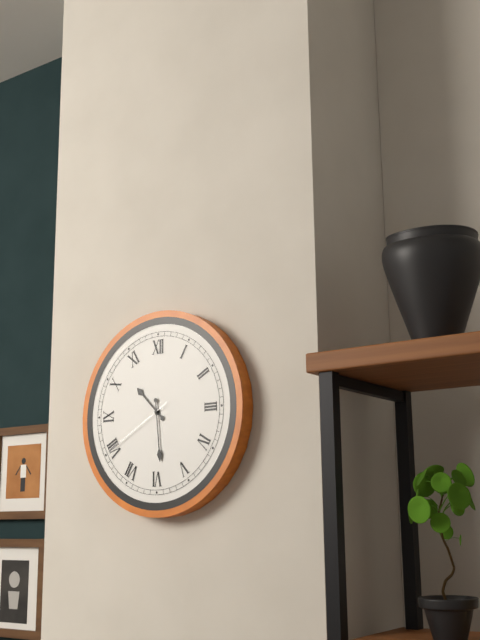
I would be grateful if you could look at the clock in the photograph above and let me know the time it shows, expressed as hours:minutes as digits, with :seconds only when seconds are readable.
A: 10:29:40
